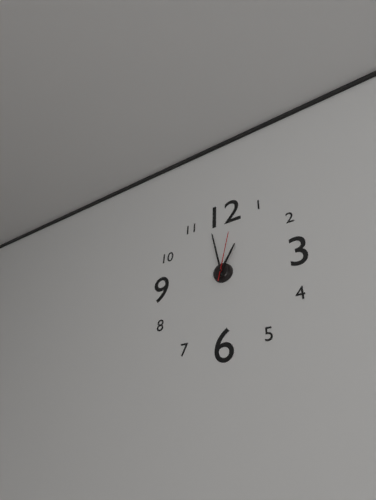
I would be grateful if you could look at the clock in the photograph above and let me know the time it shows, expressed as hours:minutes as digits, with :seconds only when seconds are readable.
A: 12:58:02
